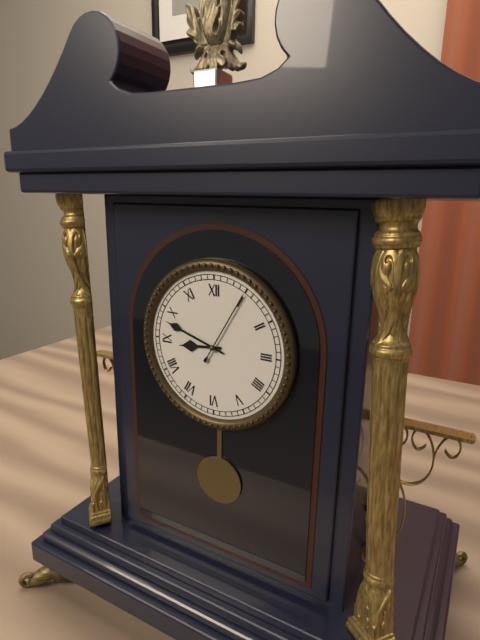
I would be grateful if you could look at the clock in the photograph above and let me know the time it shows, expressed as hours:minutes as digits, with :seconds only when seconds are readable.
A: 8:48:05
